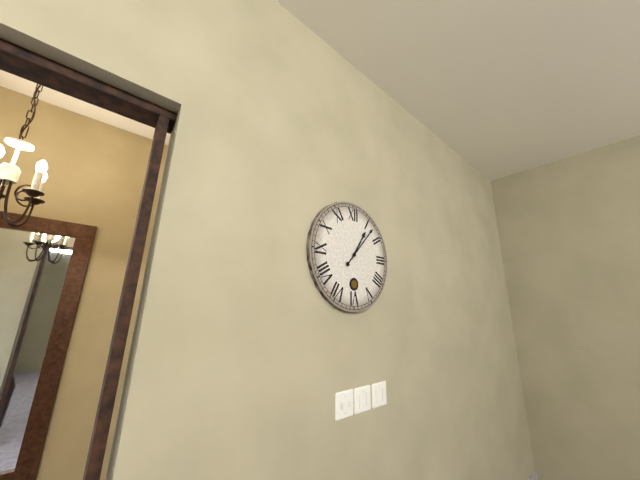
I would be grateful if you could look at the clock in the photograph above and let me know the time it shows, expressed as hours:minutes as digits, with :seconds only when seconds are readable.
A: 1:07
